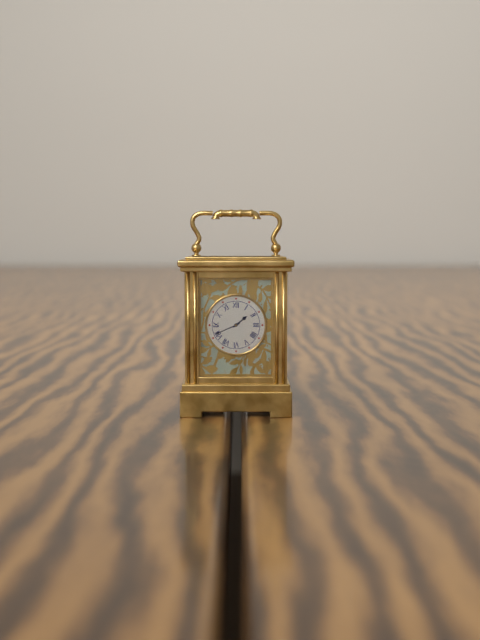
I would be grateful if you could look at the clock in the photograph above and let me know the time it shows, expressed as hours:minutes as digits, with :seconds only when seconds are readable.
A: 1:41
